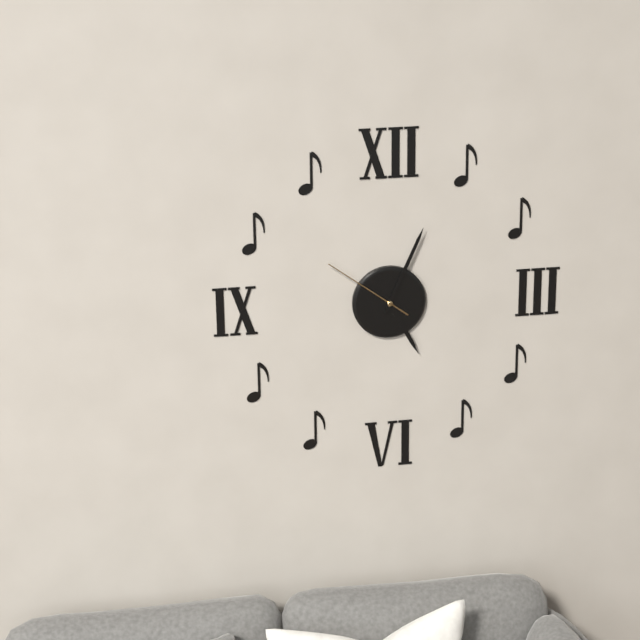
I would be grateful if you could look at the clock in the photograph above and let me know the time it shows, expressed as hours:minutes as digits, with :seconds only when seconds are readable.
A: 5:04:51
